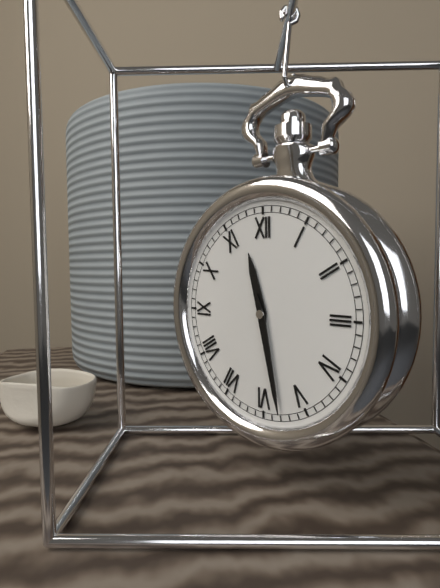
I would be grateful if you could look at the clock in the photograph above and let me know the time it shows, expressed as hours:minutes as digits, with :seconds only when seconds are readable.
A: 11:28
